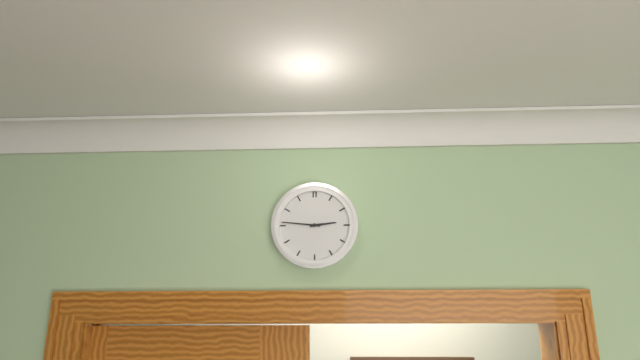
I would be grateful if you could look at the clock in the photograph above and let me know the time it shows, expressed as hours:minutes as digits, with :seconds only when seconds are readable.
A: 2:46
